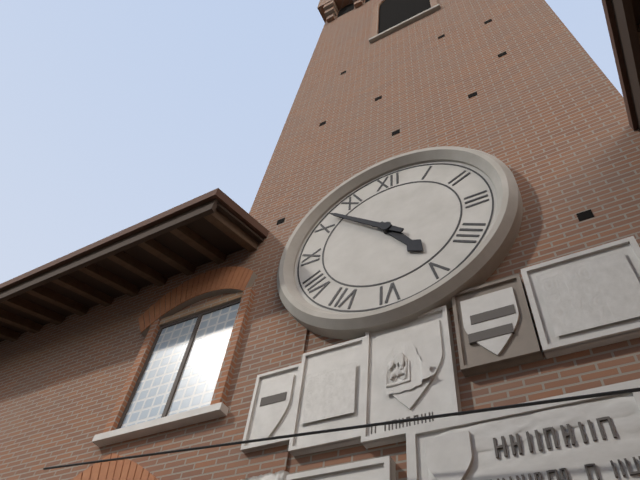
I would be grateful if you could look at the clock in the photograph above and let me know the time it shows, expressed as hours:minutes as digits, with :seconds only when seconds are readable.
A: 4:52
